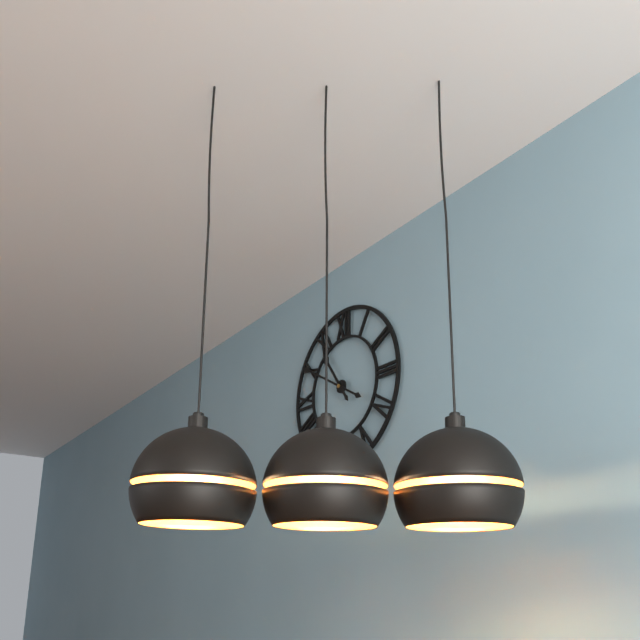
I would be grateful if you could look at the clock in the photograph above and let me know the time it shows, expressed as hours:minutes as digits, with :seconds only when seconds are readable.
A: 10:50
